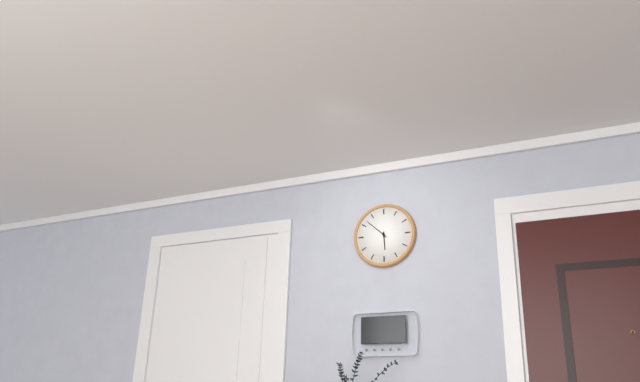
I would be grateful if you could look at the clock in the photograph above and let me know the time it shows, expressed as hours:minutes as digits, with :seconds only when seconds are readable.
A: 5:52
